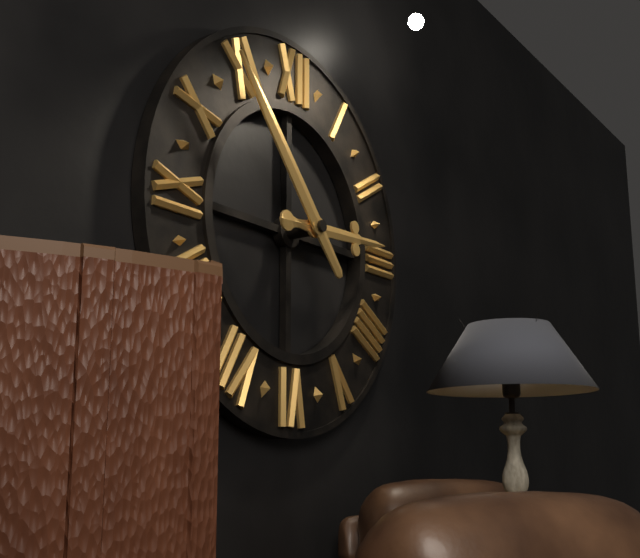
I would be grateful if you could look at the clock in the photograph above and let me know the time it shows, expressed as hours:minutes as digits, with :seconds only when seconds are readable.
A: 2:53
